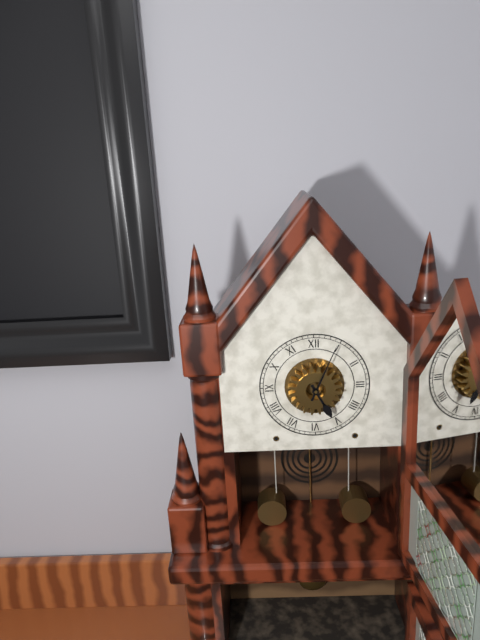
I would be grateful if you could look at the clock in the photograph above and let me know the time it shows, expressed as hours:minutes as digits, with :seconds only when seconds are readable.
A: 5:04
